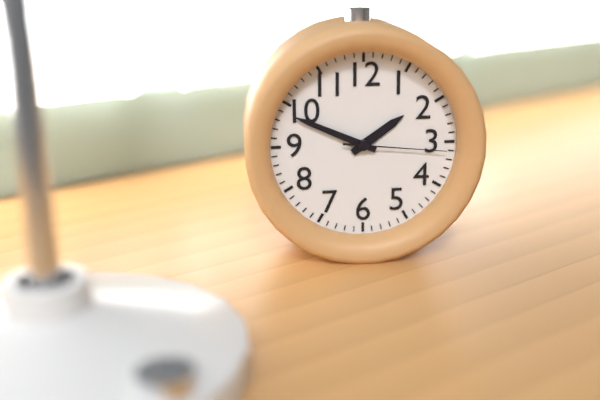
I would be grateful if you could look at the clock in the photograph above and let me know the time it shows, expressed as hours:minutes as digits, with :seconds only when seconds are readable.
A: 1:49:16
